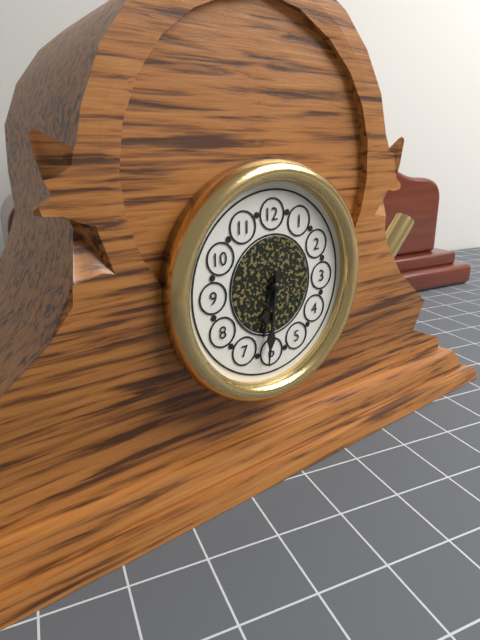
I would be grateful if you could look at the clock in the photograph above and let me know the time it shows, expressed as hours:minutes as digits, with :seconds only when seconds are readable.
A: 6:31
